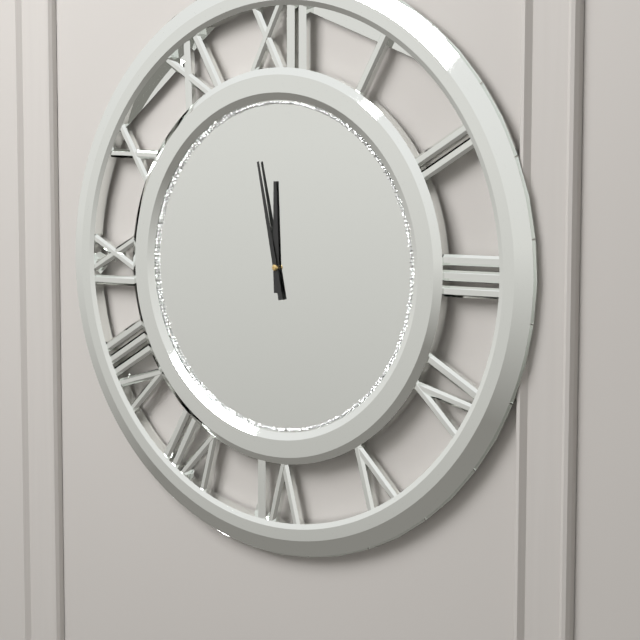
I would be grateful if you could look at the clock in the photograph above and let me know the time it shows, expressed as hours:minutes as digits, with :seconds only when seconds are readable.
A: 11:58
